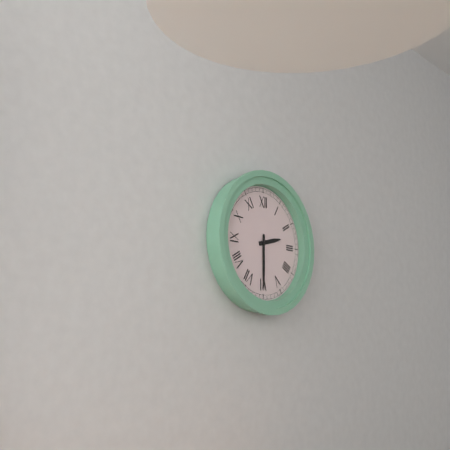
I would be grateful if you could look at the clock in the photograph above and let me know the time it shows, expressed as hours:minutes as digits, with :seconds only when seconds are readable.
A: 2:30
